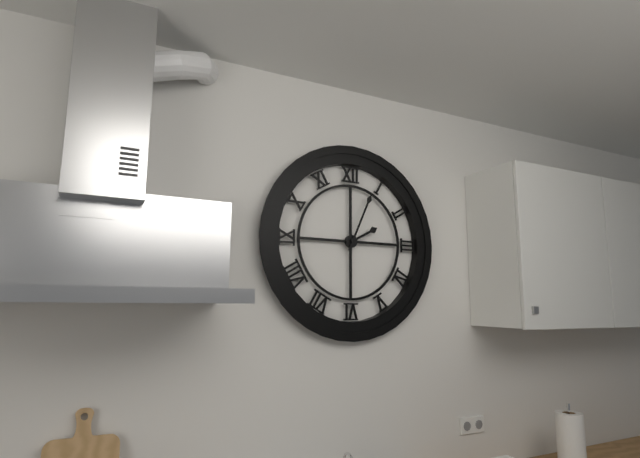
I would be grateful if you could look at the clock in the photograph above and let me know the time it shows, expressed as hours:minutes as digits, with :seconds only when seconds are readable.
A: 2:04
